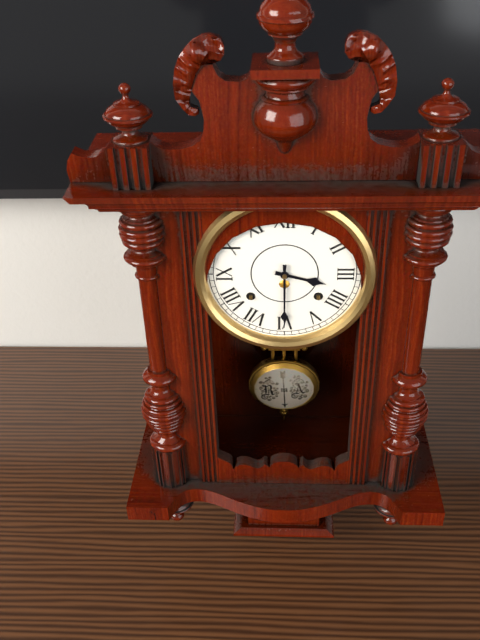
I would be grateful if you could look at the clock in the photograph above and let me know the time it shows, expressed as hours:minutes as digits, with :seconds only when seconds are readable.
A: 3:30
